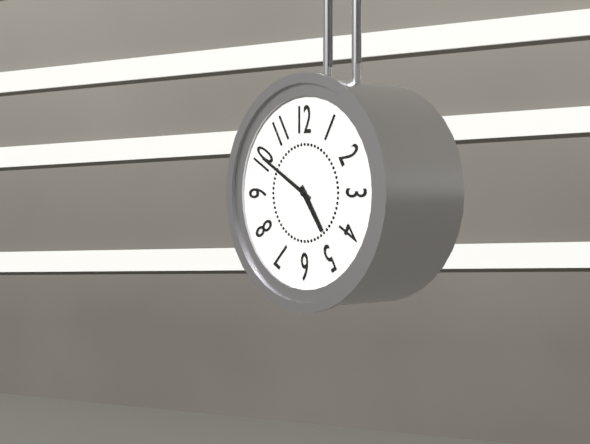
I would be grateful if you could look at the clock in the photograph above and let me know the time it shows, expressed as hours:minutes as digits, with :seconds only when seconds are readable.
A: 4:50
